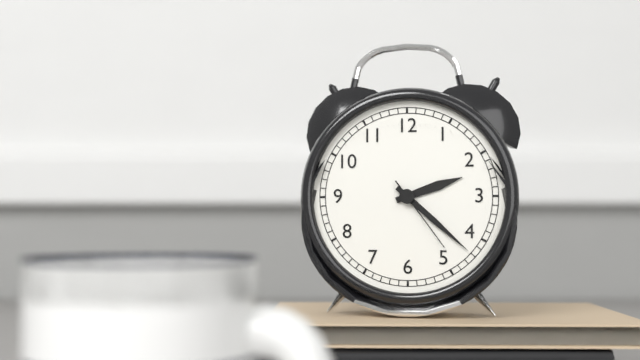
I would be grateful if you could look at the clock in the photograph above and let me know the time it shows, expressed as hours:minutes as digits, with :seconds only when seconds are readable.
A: 2:22:24
